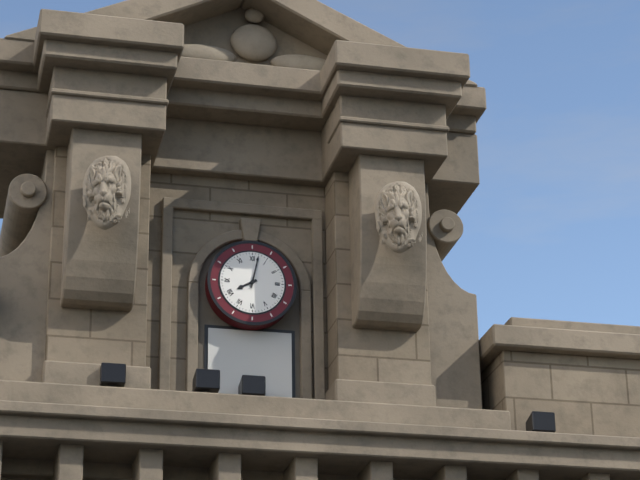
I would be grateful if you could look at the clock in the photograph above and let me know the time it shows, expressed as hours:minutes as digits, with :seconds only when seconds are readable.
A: 8:02
